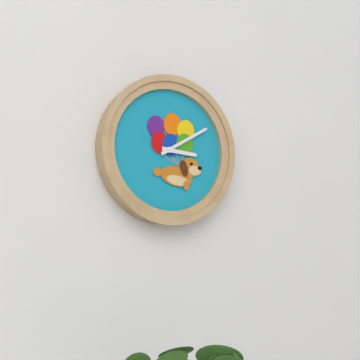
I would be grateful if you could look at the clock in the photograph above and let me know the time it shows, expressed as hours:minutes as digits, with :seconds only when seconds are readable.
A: 3:10
